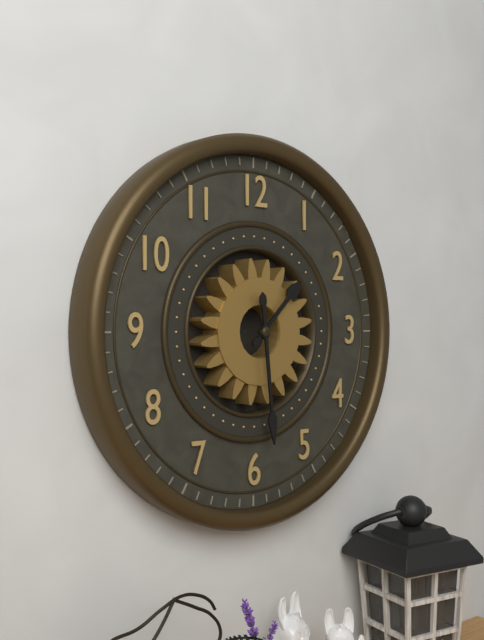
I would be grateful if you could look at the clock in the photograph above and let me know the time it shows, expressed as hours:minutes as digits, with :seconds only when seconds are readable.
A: 1:29
